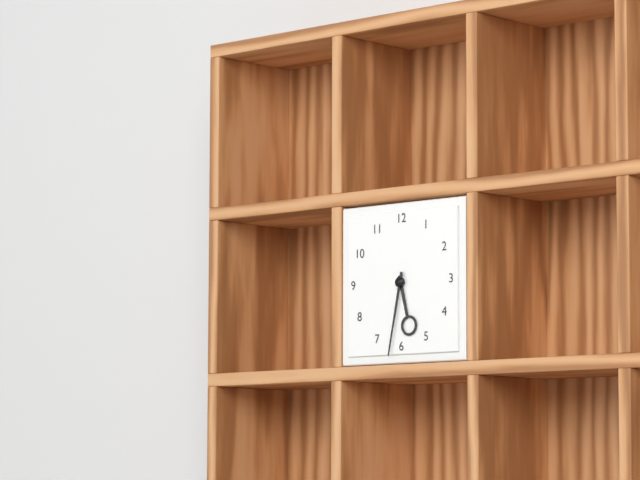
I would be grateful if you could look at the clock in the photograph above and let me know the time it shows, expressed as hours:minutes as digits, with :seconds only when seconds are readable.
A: 5:32
